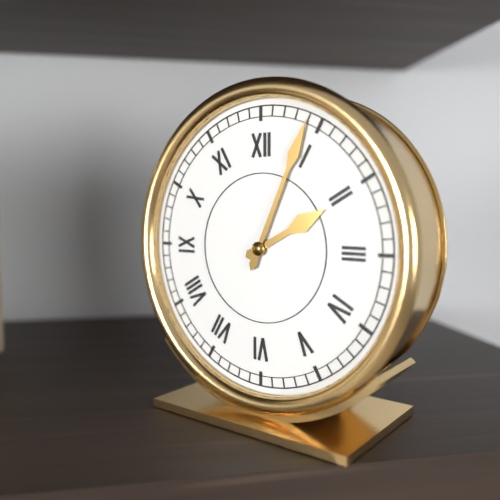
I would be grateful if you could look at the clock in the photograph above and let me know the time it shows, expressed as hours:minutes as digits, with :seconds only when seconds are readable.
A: 2:04
